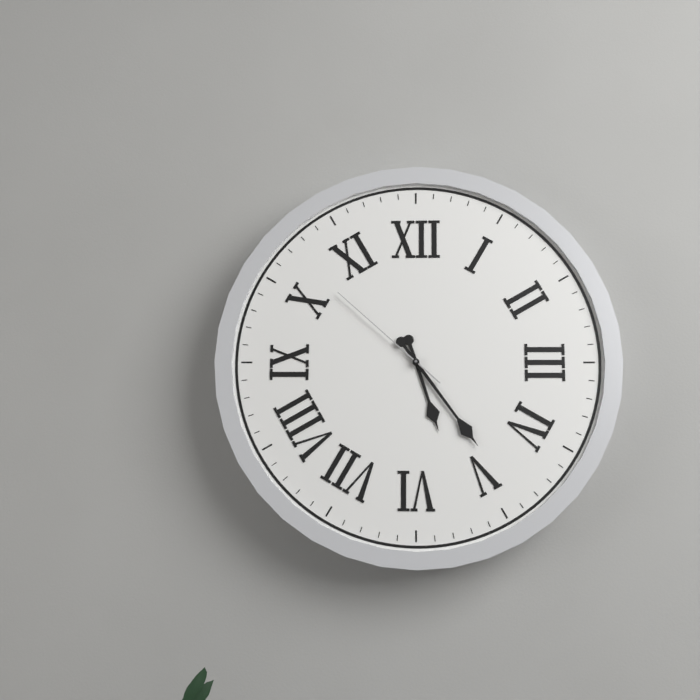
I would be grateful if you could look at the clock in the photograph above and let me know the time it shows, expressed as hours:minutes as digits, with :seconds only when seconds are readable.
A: 5:24:52
